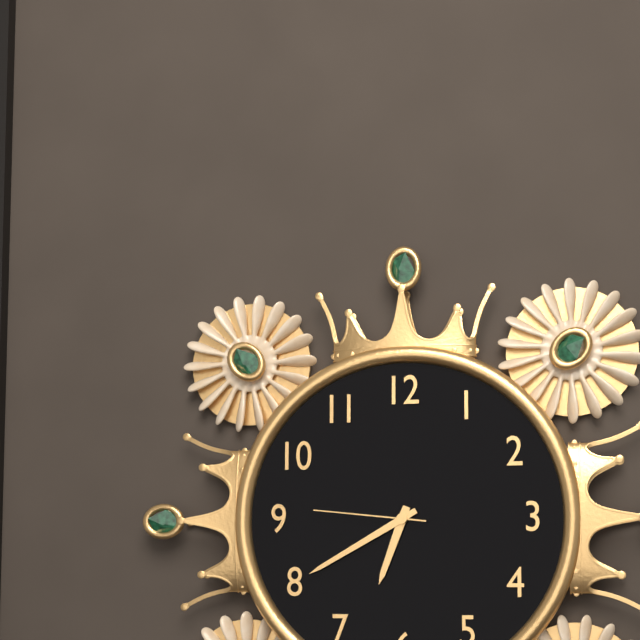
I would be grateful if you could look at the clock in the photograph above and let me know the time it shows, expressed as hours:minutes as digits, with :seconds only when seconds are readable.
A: 6:40:46
